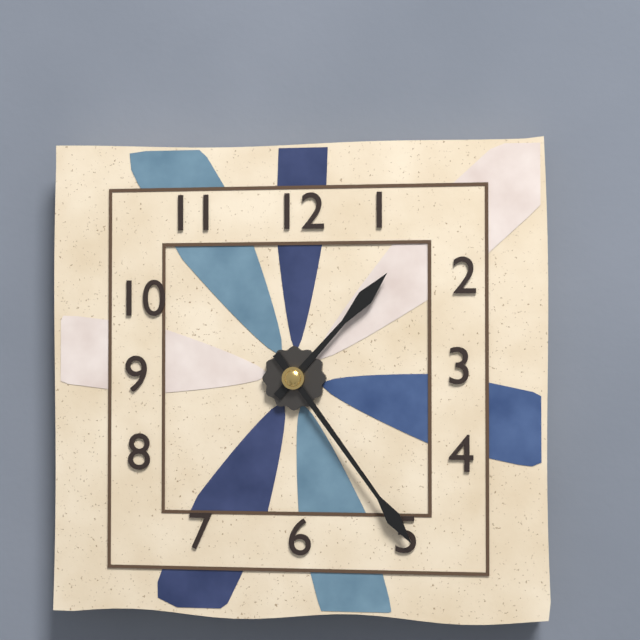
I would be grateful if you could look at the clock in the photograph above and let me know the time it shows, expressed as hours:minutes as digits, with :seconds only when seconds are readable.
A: 1:24
